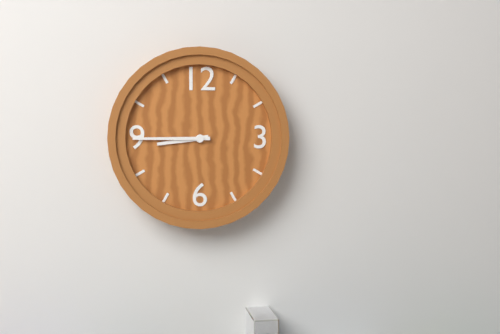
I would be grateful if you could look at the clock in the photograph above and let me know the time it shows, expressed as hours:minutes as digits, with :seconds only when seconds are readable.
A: 8:45
